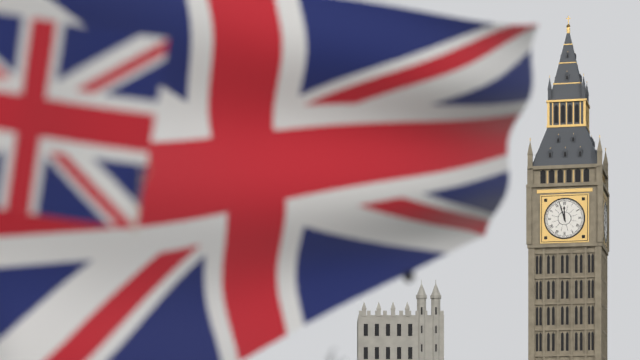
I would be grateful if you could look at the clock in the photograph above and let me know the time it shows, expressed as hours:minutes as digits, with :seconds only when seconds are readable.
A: 11:57
